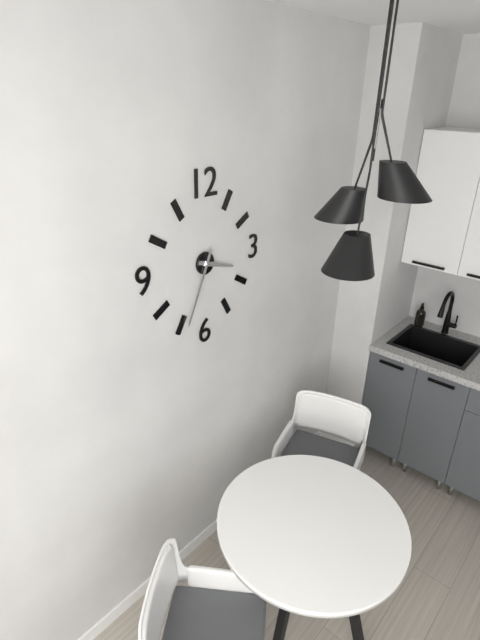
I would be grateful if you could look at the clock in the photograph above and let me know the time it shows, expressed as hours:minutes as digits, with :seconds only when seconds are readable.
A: 3:34
